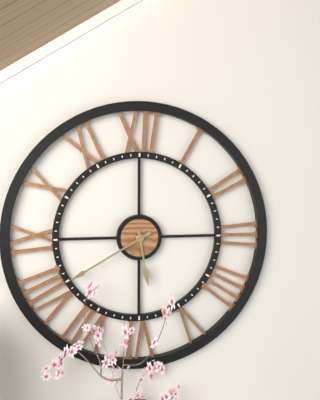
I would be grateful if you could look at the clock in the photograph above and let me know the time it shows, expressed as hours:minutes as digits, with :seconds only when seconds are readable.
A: 5:40
